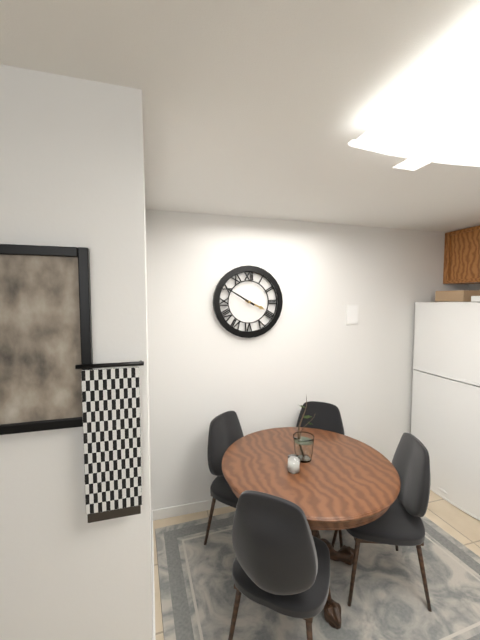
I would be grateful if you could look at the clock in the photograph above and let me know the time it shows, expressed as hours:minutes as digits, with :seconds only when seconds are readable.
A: 3:50
